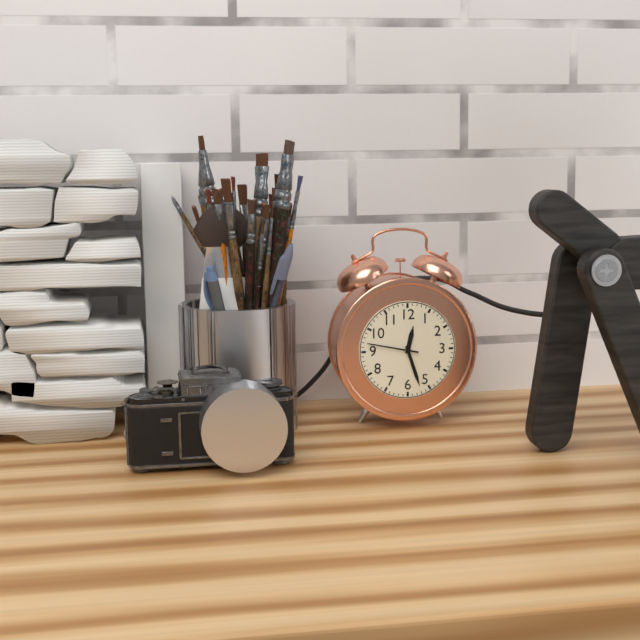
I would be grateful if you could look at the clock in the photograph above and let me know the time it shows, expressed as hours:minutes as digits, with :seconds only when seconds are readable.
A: 12:27:47
